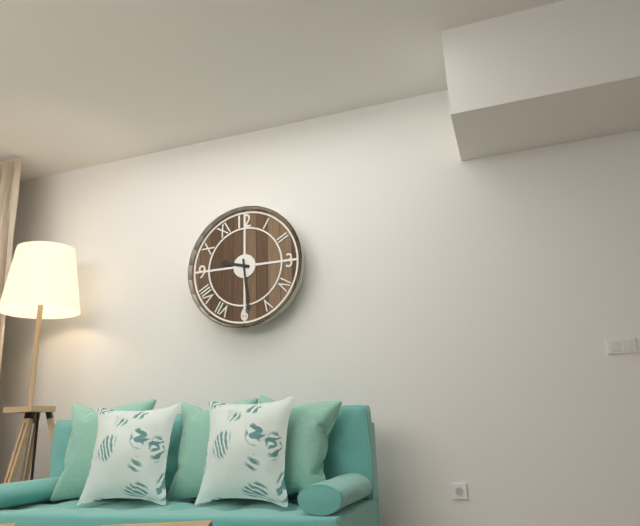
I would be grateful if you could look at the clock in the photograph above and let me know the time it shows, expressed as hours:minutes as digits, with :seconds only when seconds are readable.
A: 9:29
